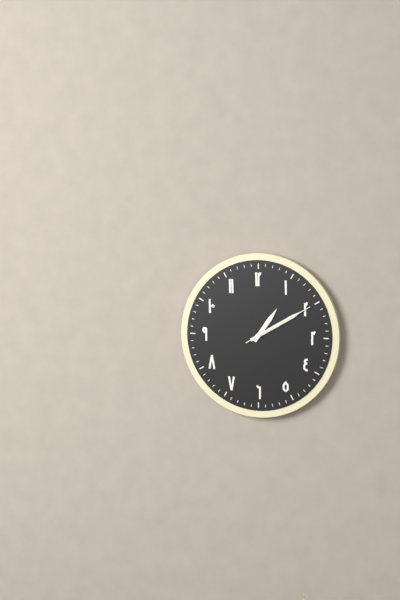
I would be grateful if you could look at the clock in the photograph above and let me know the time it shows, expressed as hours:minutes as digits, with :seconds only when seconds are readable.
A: 1:10:10
